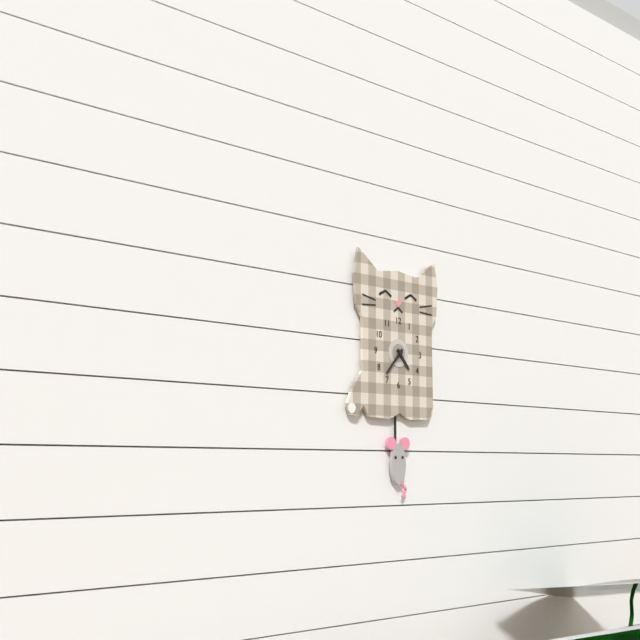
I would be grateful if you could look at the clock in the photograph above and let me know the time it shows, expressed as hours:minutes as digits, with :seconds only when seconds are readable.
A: 4:37
